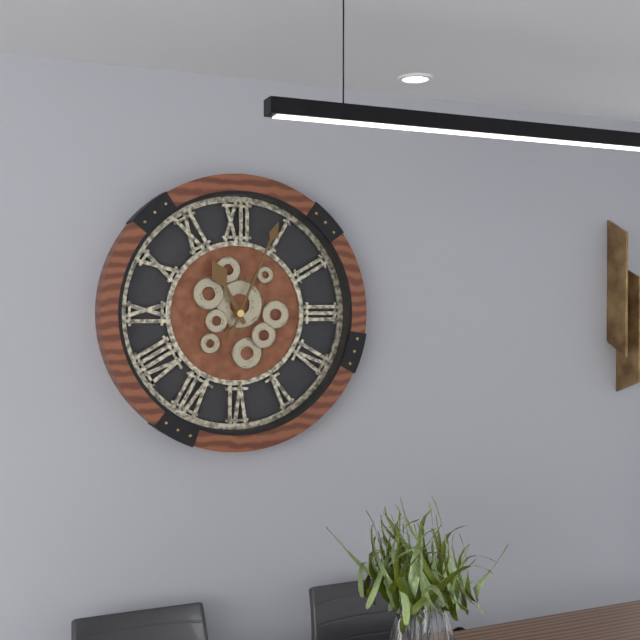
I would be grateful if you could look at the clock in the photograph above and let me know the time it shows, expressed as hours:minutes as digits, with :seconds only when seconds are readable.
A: 11:04
